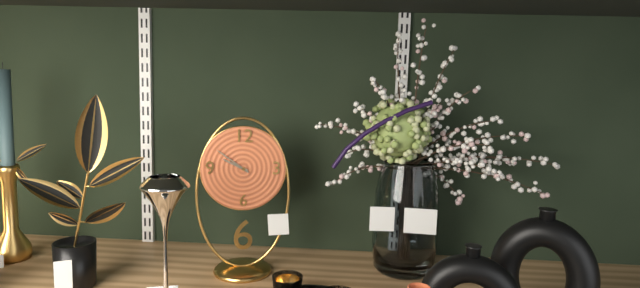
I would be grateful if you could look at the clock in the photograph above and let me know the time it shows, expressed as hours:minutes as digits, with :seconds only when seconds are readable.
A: 9:51
